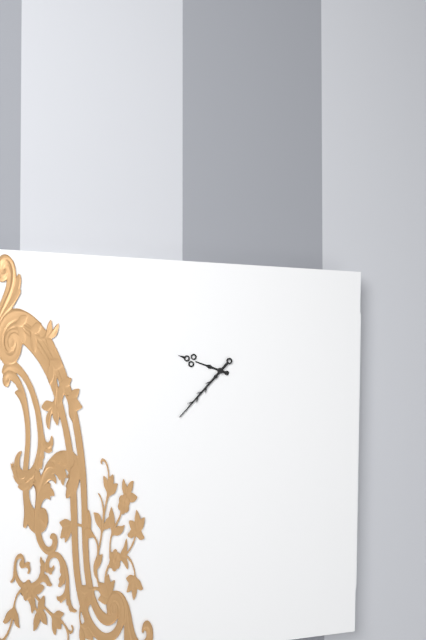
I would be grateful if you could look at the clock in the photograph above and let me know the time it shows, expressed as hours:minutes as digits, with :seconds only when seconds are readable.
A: 9:37
